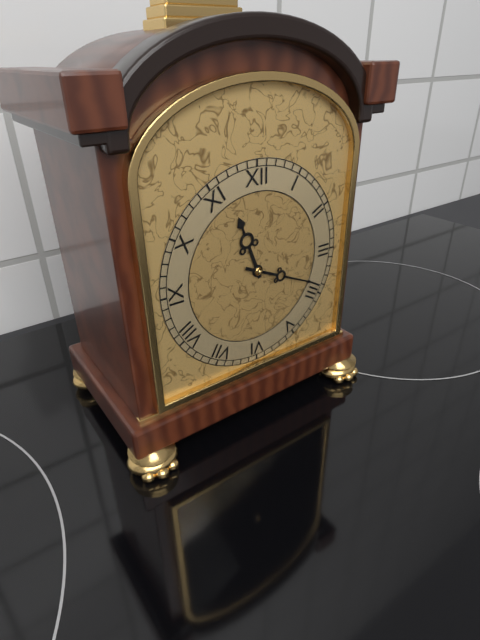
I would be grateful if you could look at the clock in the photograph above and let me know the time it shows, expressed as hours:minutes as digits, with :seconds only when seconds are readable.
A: 11:19
